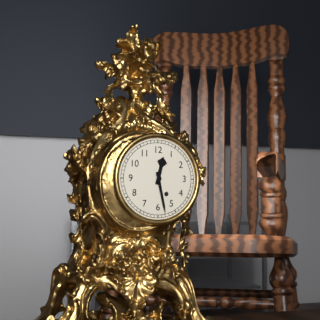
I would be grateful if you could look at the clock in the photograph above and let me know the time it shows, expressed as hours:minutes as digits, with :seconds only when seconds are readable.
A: 12:28
